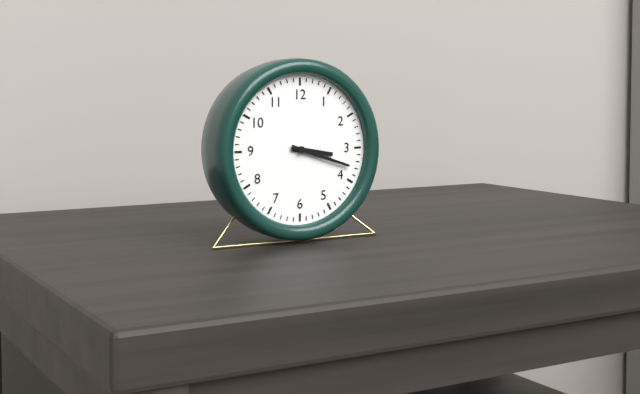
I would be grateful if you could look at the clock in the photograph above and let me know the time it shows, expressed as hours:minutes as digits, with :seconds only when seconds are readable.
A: 3:18
